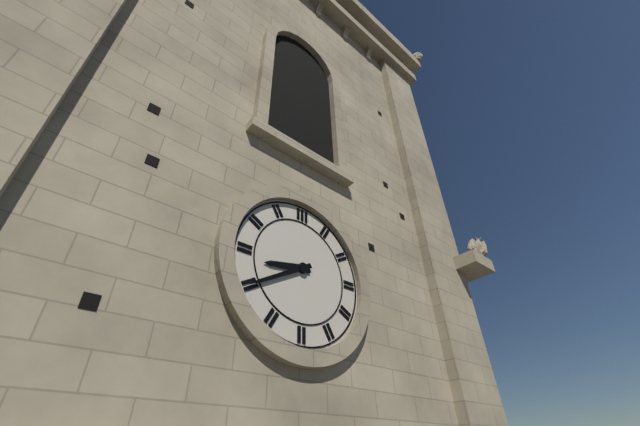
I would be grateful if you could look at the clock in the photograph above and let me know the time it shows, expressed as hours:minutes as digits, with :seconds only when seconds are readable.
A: 8:40
